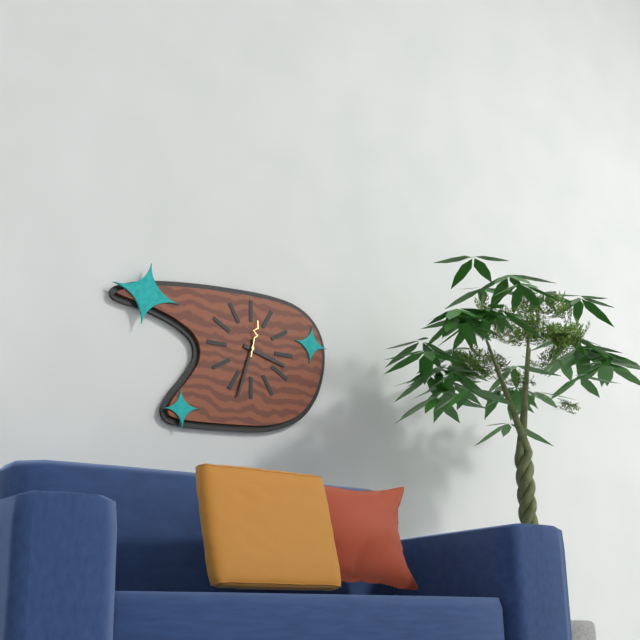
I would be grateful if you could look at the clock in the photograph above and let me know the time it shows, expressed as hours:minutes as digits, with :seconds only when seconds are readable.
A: 3:33
